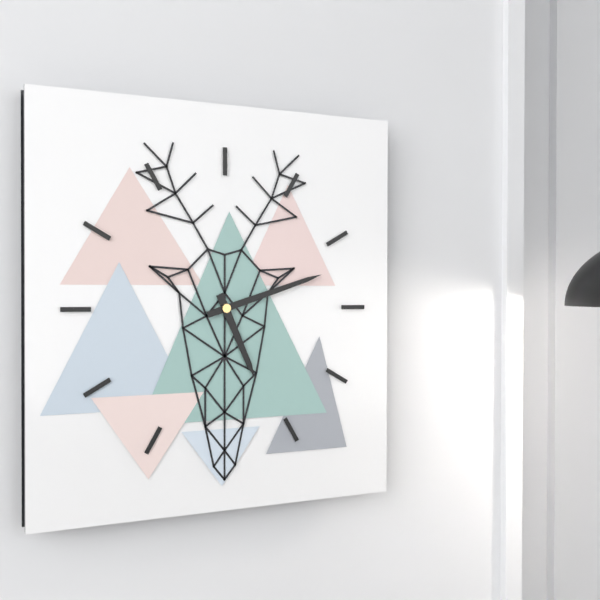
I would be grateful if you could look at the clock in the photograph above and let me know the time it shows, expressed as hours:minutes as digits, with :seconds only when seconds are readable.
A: 5:12
